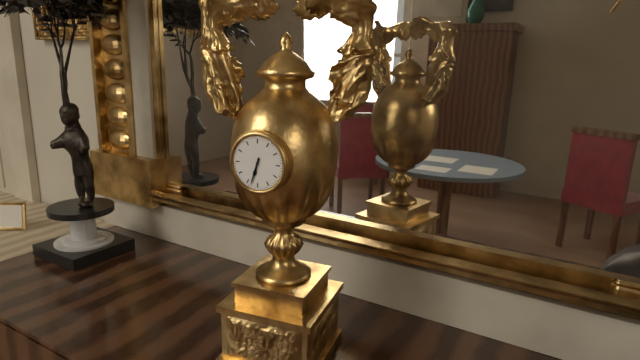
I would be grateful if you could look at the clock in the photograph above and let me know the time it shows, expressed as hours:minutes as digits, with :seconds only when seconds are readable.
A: 6:33
